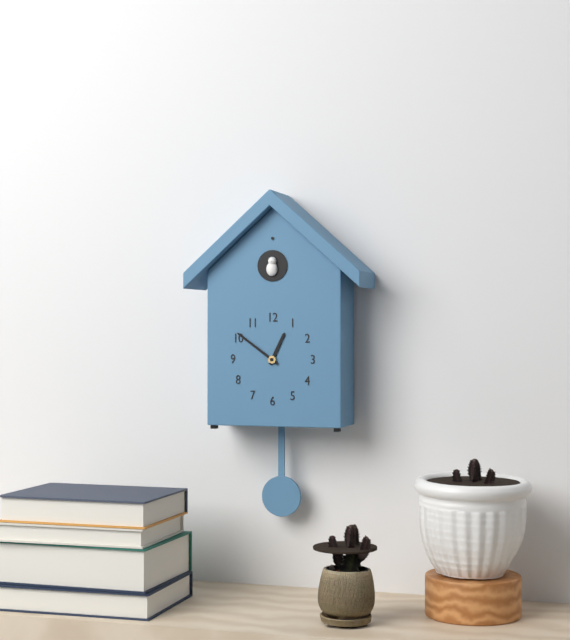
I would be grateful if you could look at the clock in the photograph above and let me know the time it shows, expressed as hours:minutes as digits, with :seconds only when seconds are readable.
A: 12:51
